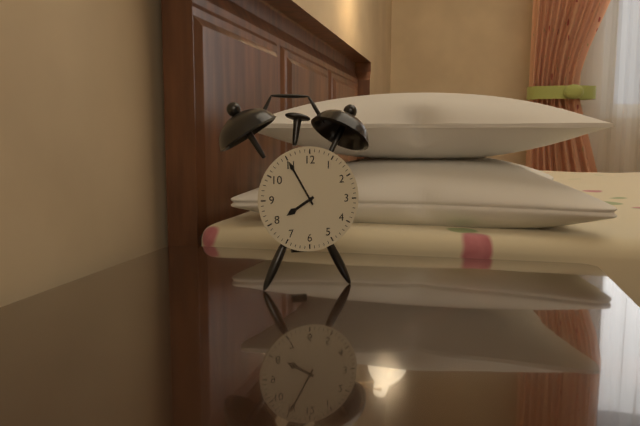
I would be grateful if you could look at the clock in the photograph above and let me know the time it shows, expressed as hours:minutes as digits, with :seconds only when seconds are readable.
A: 7:55
